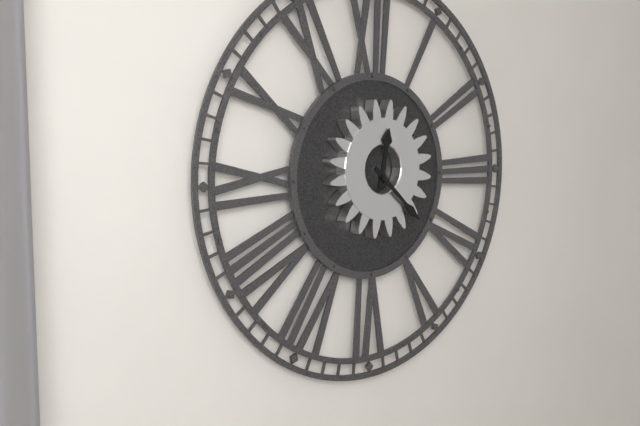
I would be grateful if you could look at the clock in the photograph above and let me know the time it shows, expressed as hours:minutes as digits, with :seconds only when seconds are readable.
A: 12:22
